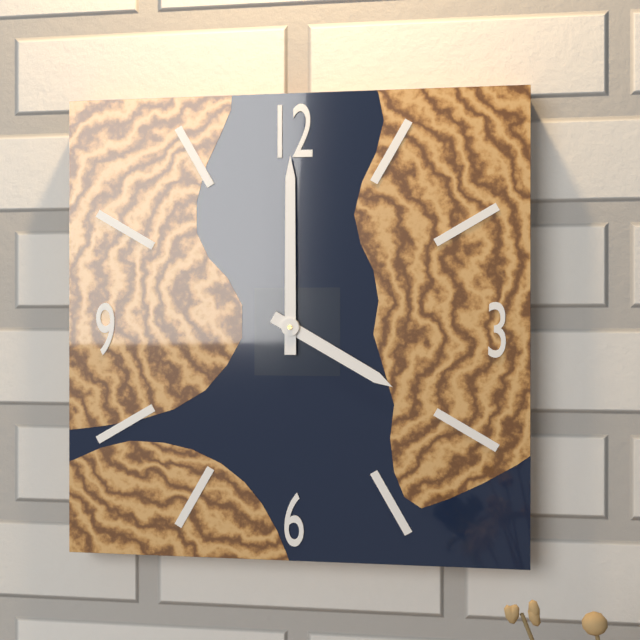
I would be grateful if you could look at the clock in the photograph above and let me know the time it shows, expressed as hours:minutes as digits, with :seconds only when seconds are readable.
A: 4:00
